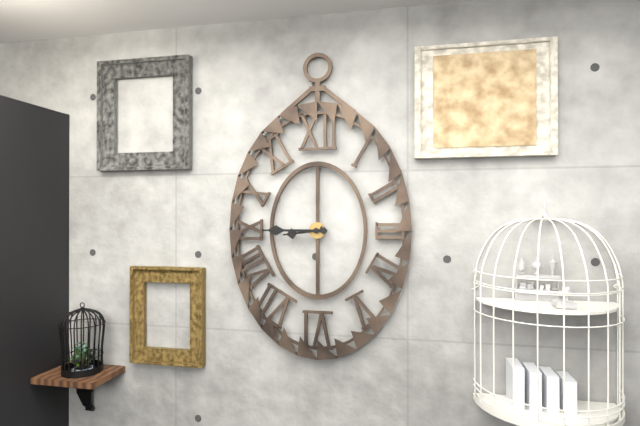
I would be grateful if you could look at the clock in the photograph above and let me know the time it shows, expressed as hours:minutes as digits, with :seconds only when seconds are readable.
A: 8:45
